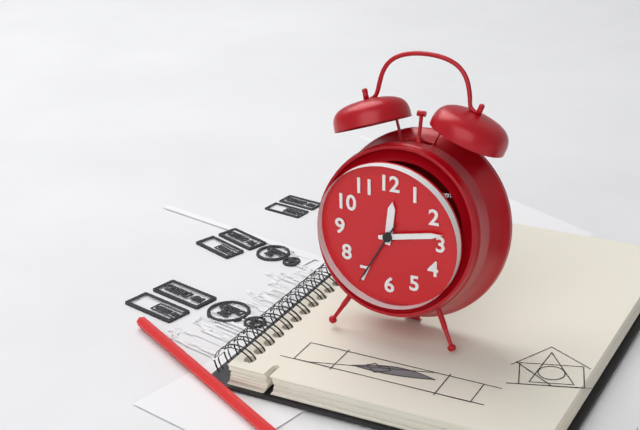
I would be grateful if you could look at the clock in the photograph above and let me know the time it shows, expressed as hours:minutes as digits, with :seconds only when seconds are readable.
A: 12:13:35
